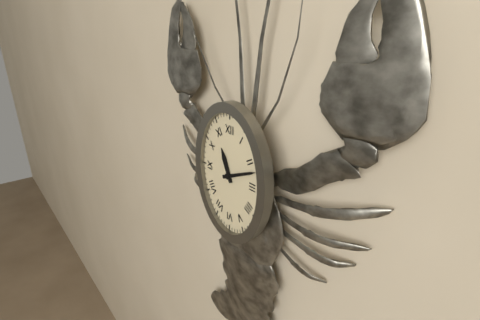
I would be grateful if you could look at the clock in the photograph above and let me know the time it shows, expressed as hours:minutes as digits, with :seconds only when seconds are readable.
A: 11:11
